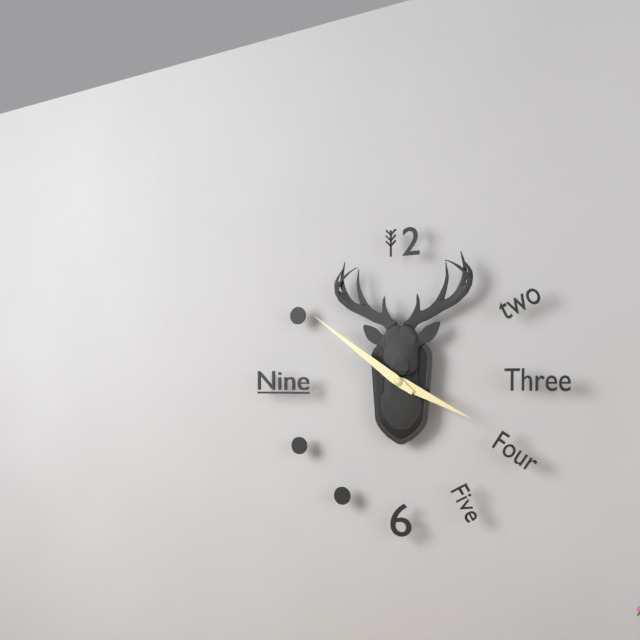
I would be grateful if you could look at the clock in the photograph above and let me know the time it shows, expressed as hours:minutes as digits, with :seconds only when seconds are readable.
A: 3:51
